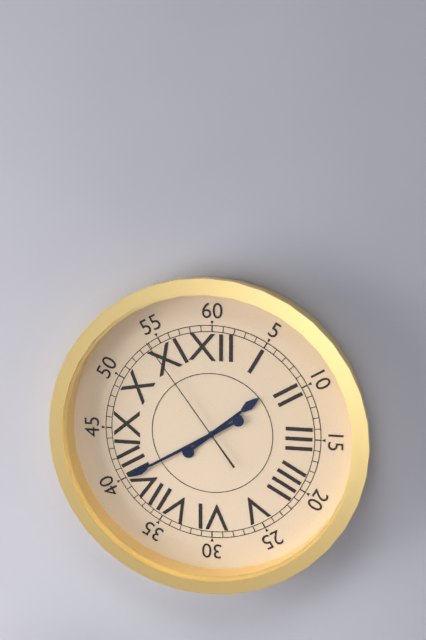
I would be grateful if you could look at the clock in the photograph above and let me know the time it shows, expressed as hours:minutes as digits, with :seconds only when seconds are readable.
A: 1:40:54
